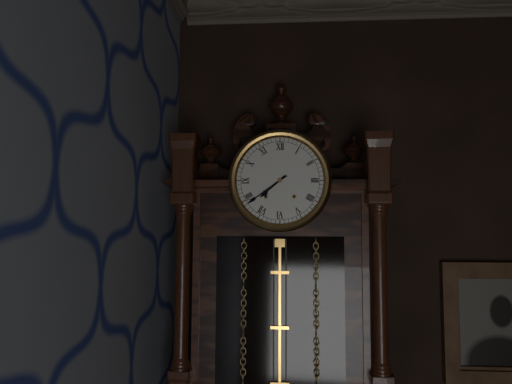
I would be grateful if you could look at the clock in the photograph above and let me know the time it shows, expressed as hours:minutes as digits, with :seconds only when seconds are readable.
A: 7:39
